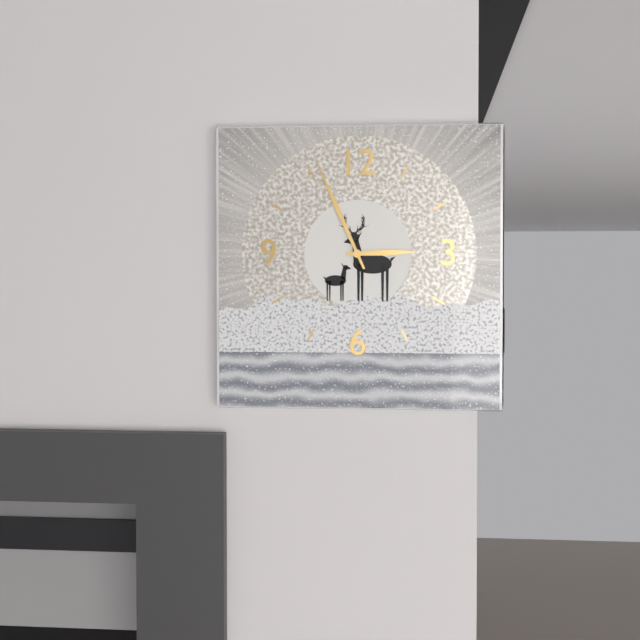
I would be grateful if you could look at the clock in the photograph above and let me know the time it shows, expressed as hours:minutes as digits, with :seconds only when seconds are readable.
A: 2:56
